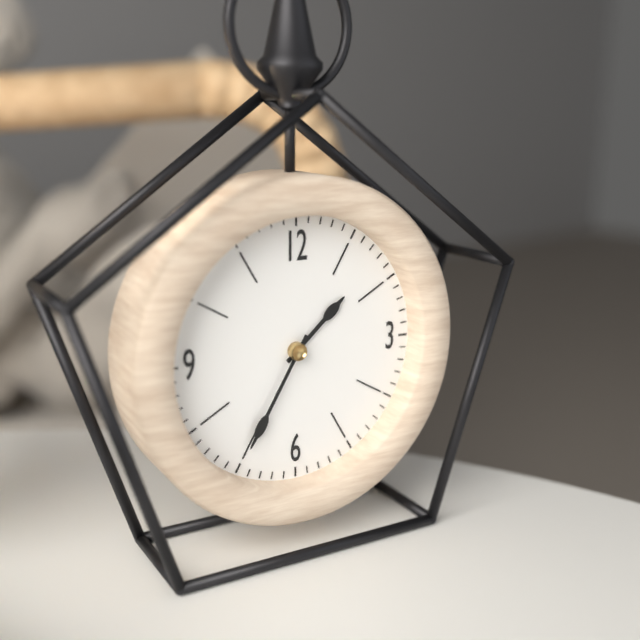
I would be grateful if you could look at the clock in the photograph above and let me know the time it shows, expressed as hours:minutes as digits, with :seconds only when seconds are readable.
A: 1:35
